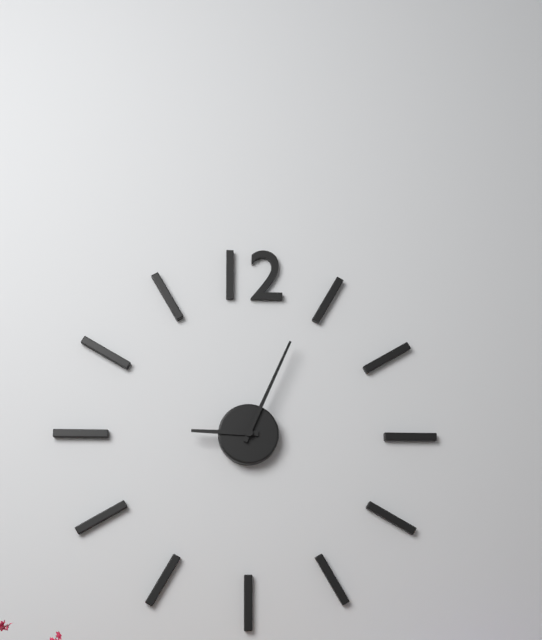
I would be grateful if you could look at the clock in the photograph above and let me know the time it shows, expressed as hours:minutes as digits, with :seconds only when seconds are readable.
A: 9:04
